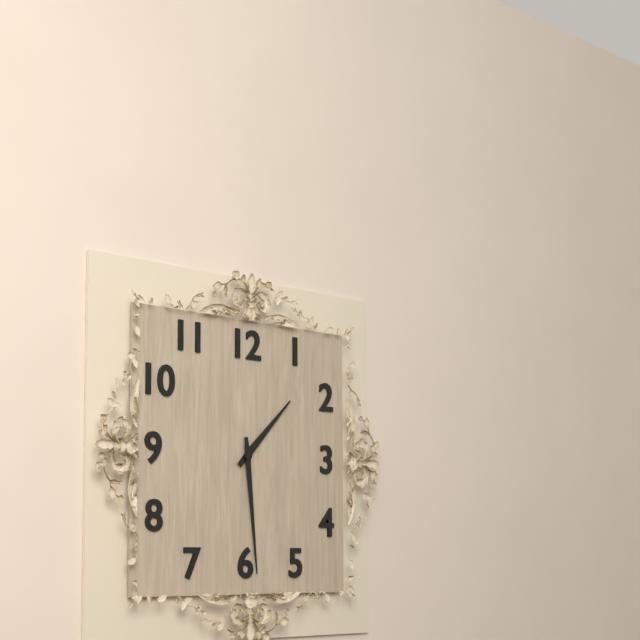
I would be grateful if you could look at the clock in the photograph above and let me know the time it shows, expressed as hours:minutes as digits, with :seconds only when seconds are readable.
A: 1:29
